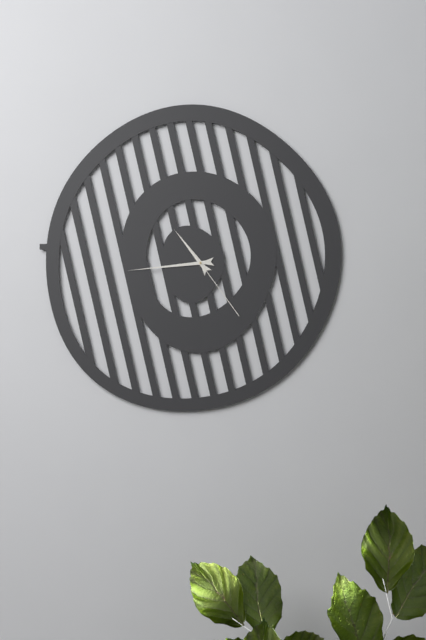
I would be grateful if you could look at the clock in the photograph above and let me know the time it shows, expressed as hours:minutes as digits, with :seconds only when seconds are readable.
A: 10:44:24
